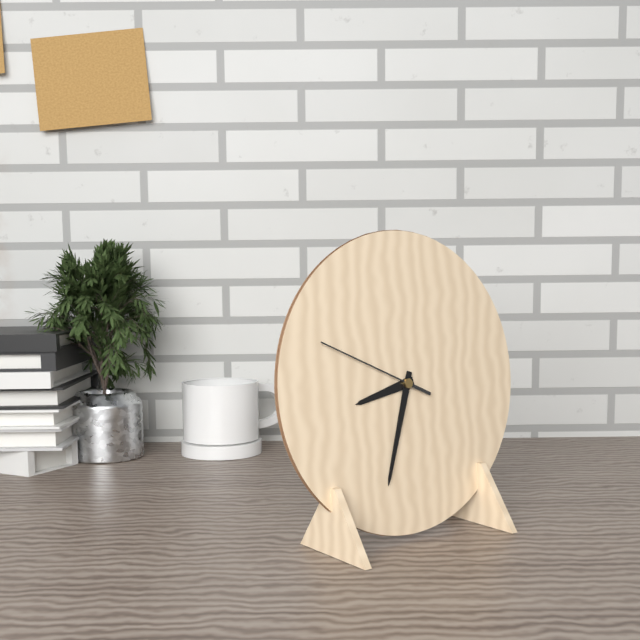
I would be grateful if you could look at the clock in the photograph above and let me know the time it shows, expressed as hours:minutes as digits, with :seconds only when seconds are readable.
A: 8:33:49
